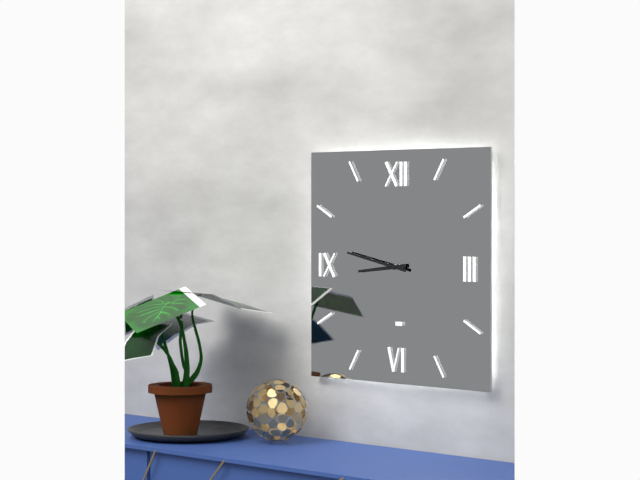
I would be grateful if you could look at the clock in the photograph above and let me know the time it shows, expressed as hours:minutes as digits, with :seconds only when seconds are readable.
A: 8:47
